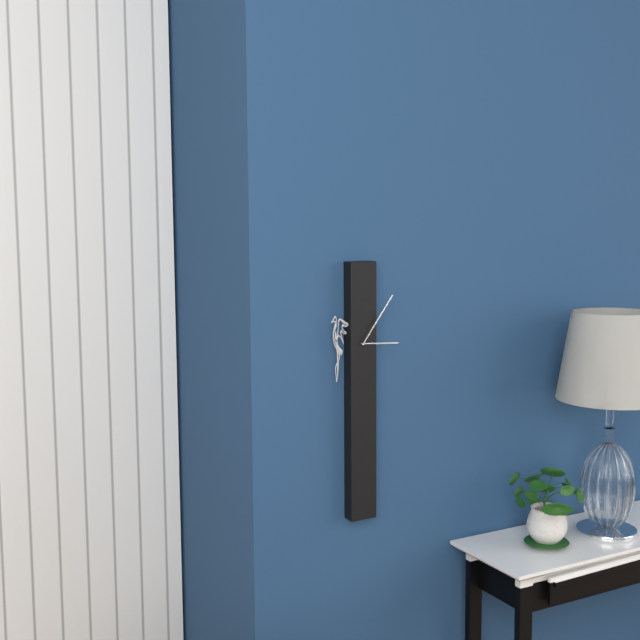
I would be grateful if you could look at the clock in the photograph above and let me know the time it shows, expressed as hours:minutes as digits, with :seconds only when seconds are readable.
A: 3:06
